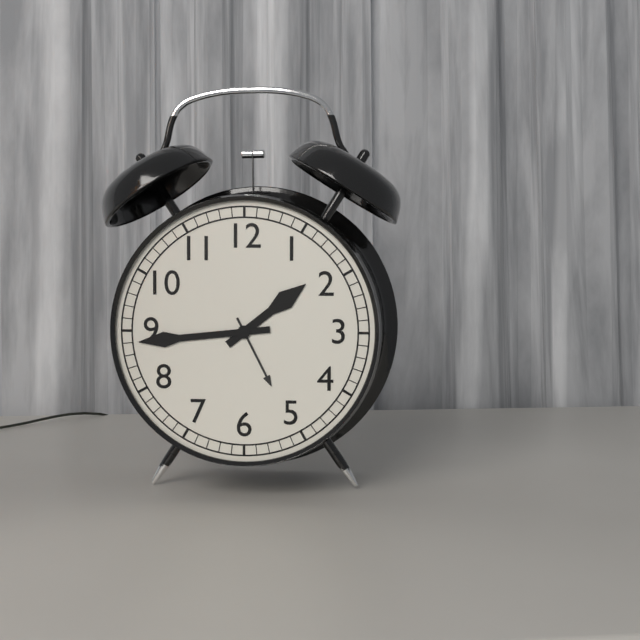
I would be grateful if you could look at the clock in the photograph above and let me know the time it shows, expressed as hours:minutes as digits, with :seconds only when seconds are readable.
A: 1:44
